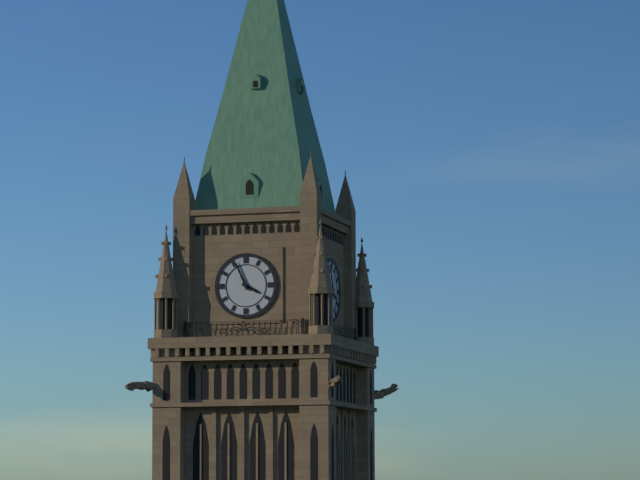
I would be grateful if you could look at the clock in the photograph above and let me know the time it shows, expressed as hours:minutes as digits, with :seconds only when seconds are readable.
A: 3:56
